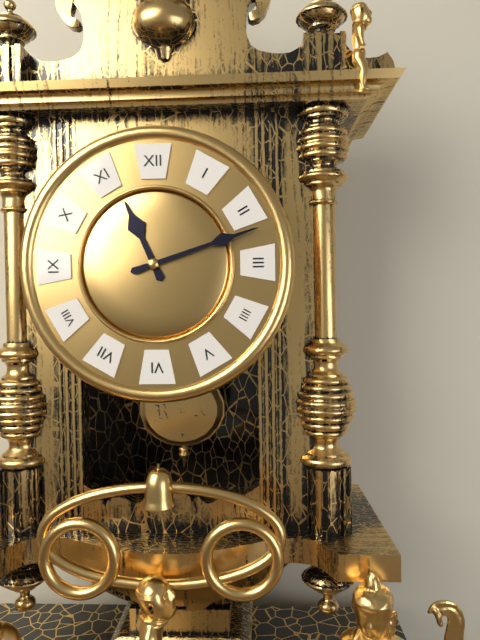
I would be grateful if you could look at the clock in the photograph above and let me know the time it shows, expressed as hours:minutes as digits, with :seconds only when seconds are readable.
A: 11:12
